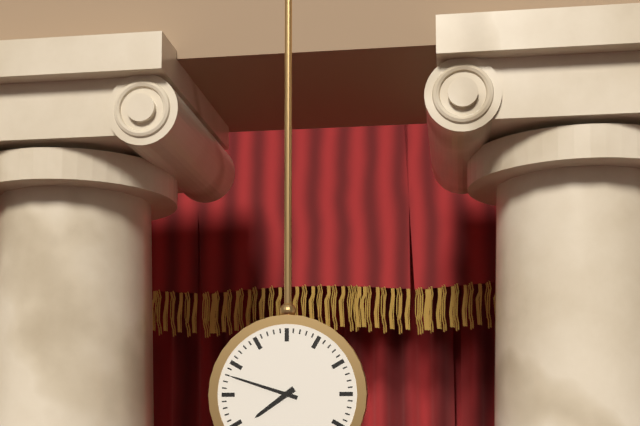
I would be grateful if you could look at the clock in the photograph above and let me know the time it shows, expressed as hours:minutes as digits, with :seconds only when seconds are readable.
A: 7:48
